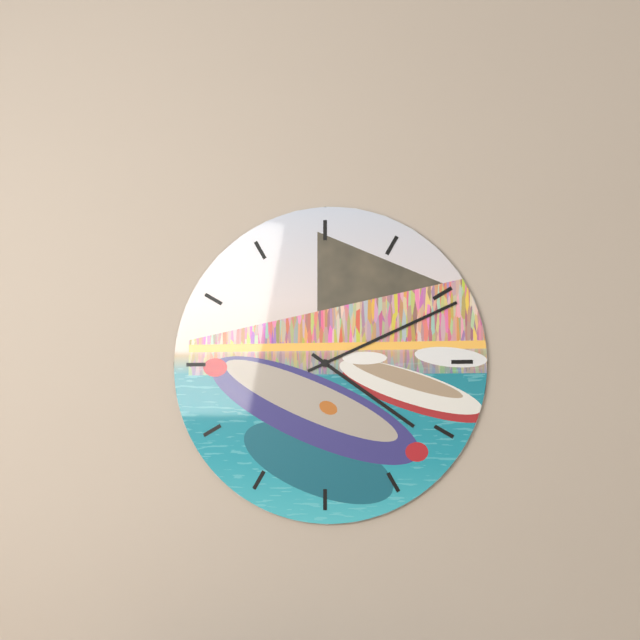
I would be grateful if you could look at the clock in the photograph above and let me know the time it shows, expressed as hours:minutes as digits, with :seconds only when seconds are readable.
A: 4:11
